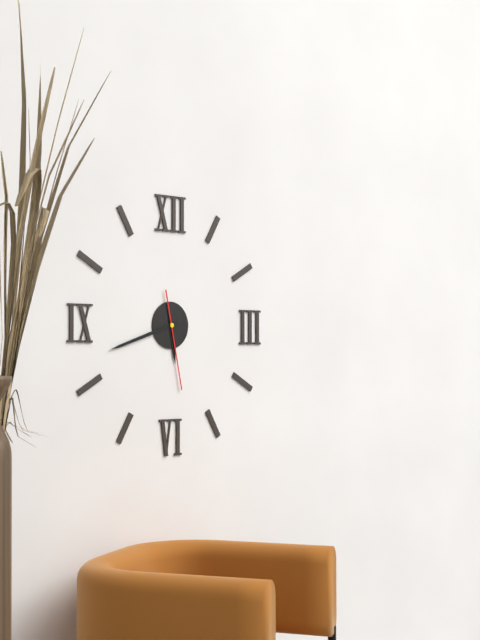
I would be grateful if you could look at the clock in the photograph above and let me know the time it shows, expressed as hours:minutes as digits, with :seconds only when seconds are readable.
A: 5:42:28
